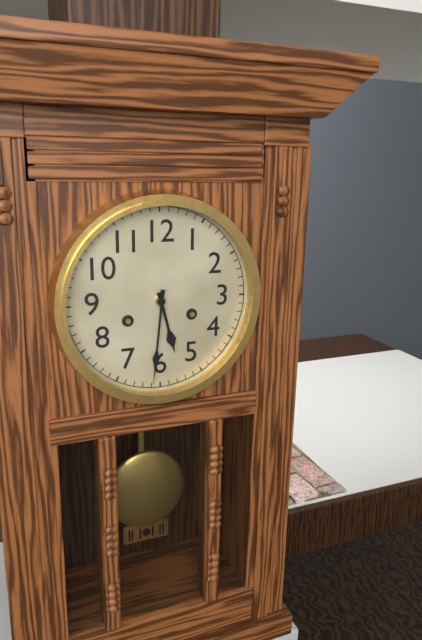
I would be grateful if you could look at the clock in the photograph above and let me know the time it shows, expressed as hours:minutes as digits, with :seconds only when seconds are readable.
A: 5:31
